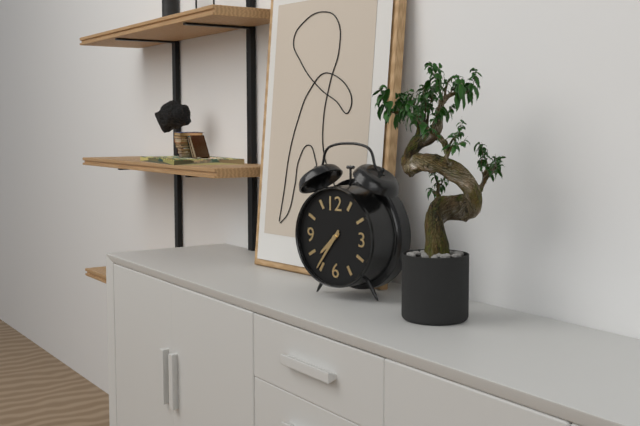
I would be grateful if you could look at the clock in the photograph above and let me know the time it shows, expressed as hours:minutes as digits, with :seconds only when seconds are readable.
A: 7:36
